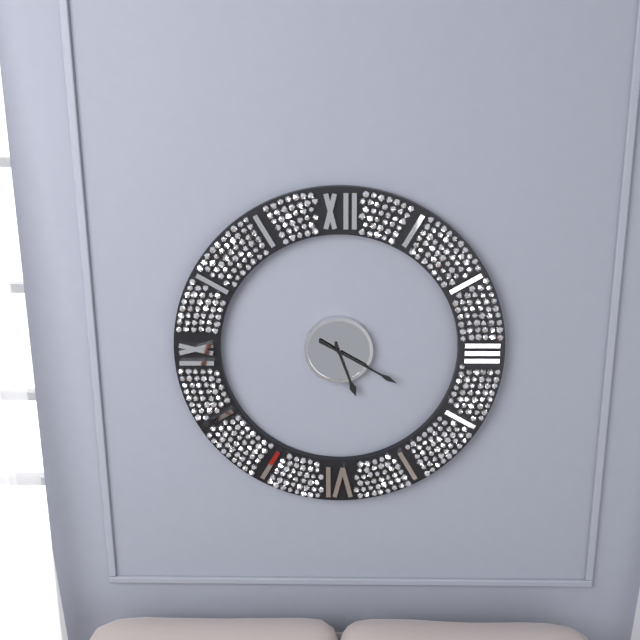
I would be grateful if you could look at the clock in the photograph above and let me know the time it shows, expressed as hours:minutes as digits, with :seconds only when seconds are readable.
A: 5:20
